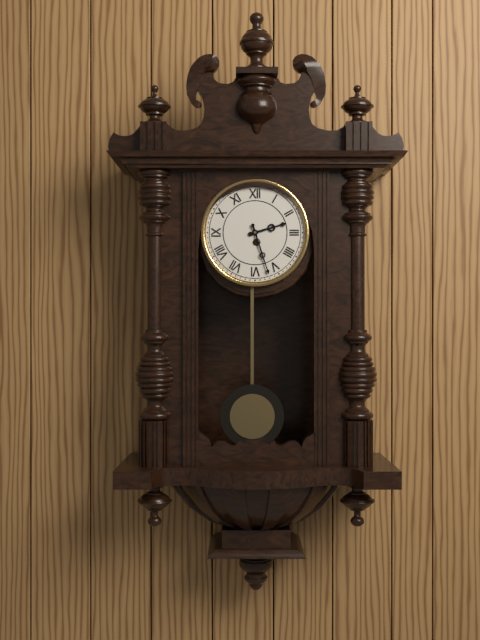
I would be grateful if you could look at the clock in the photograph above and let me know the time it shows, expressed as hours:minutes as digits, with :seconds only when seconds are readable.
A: 2:27
